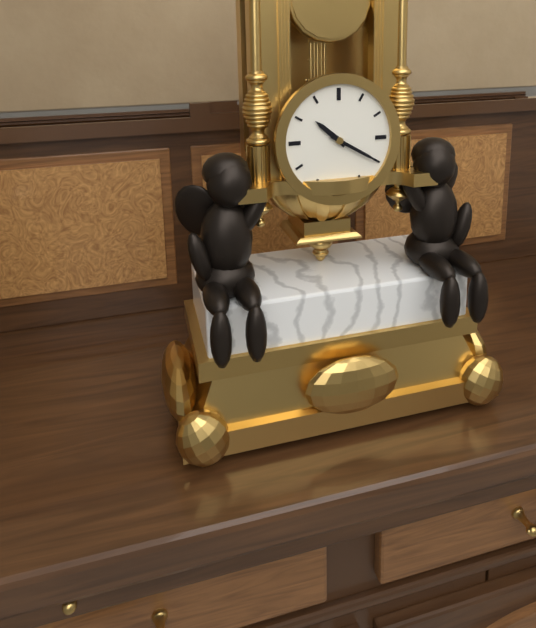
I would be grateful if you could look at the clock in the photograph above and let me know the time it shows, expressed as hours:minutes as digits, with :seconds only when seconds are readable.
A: 10:20
